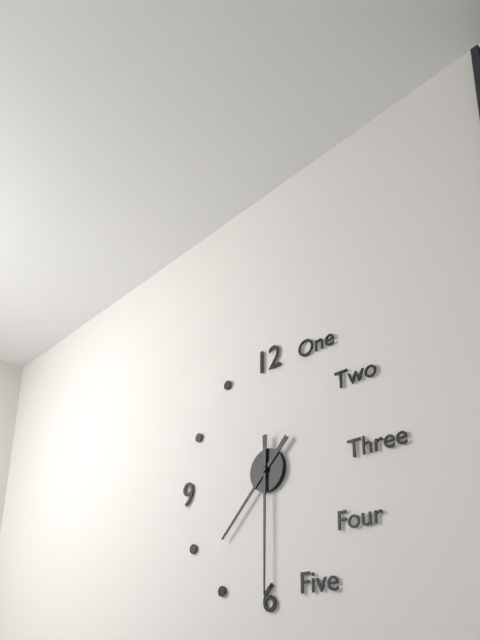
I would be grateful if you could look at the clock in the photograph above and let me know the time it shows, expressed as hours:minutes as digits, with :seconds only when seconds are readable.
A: 7:30
